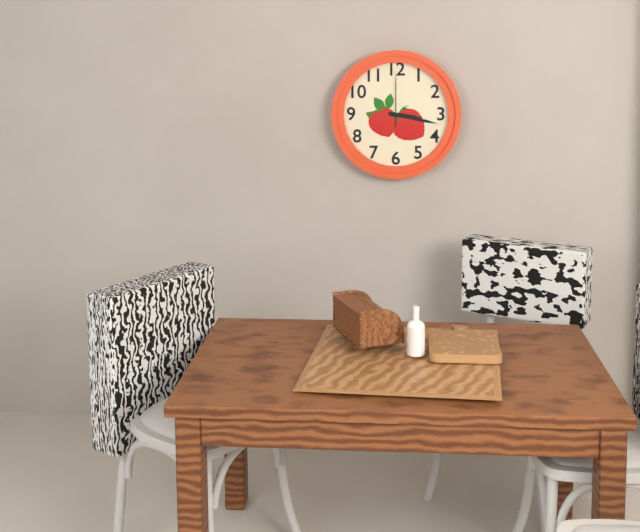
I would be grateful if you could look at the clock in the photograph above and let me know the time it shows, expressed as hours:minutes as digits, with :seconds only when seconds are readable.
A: 3:17:00
